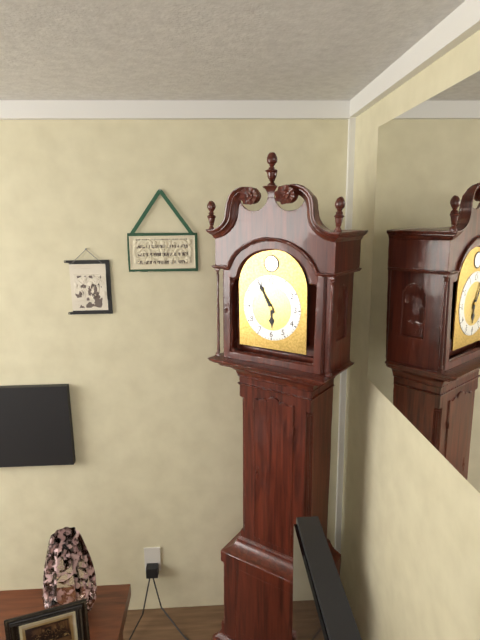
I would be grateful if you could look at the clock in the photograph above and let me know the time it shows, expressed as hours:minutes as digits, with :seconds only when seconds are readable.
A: 5:55
